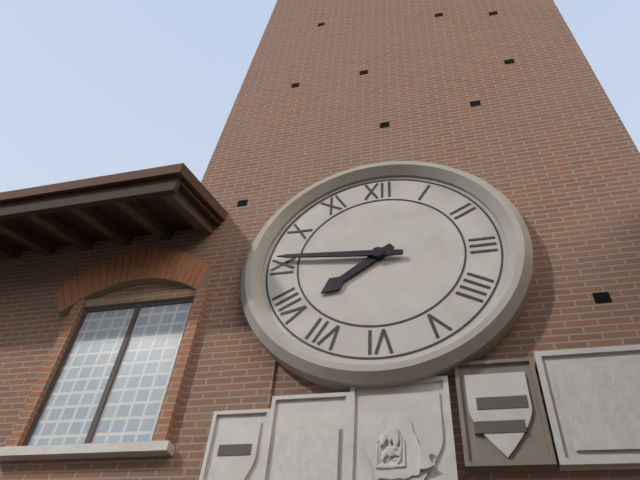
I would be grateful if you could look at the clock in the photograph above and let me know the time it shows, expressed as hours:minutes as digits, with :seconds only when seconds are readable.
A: 7:46
